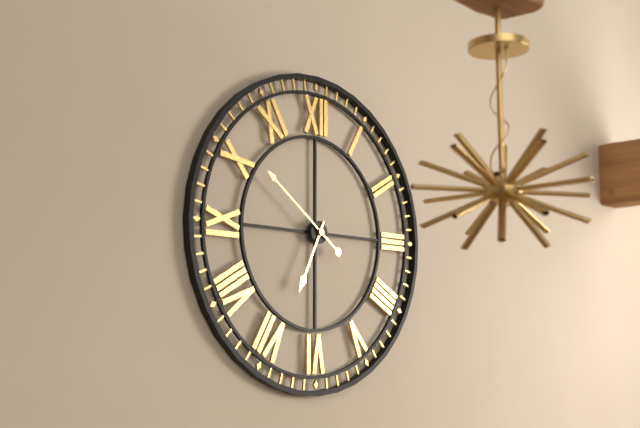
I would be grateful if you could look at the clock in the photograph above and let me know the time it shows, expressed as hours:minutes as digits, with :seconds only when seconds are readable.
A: 6:51
